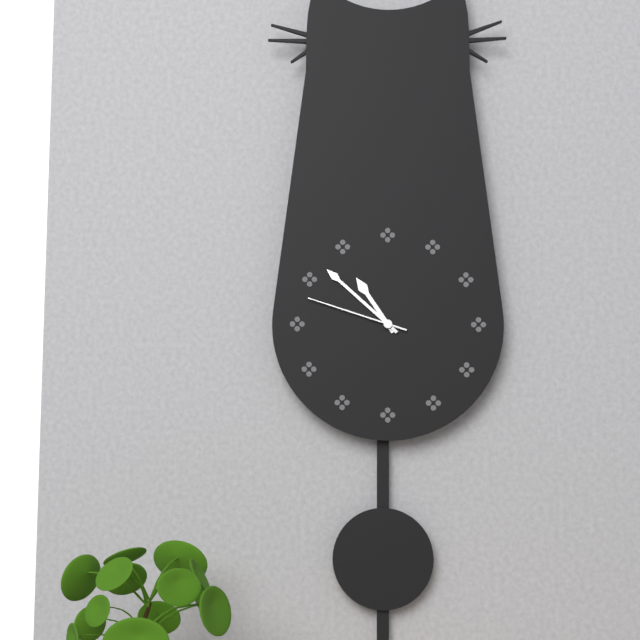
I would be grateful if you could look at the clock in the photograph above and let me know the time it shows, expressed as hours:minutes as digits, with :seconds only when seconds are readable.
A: 10:52:48
